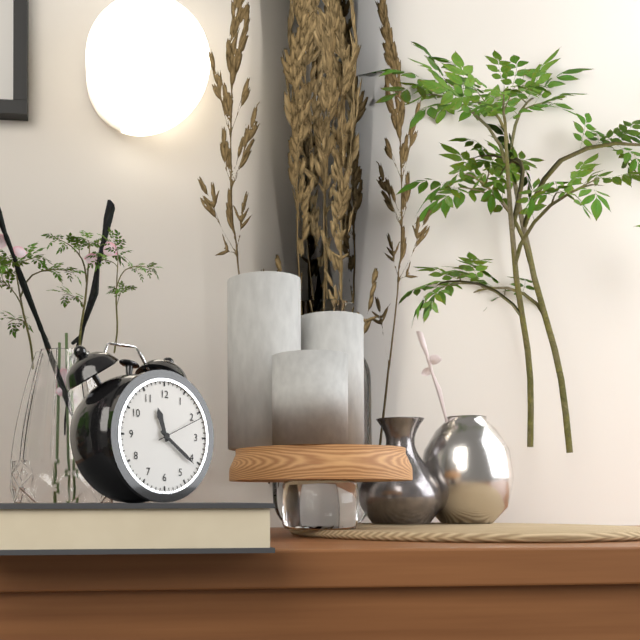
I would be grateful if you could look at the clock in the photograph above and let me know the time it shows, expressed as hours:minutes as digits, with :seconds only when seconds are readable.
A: 11:21
